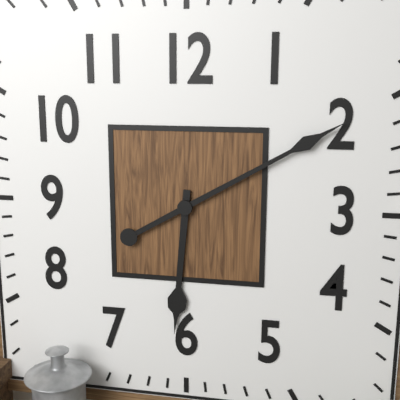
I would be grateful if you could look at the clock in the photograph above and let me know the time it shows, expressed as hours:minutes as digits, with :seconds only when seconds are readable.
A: 6:10
